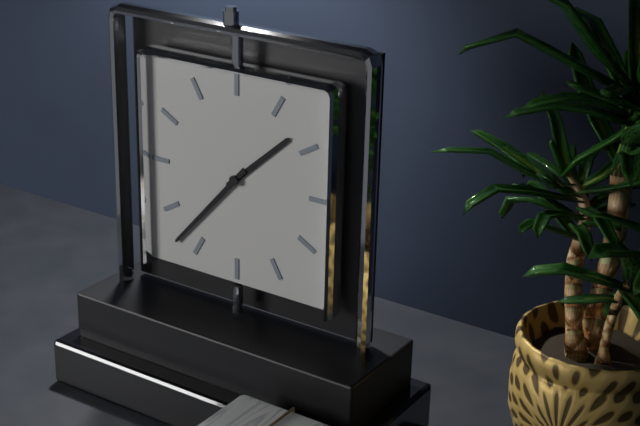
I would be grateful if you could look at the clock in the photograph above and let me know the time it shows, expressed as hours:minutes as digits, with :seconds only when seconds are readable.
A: 1:37
